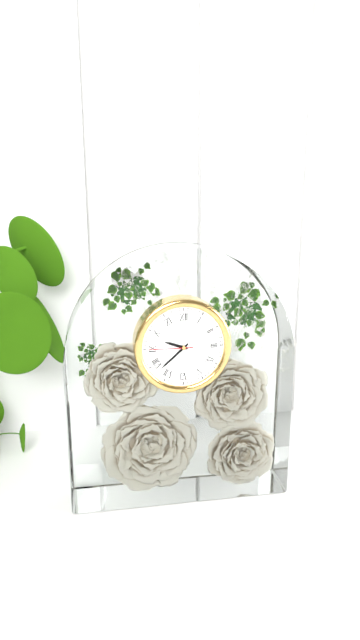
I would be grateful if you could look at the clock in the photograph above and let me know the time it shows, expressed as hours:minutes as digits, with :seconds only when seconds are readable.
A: 9:38
